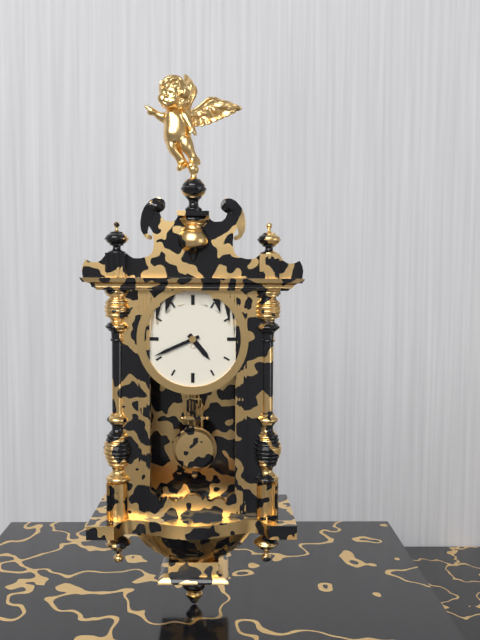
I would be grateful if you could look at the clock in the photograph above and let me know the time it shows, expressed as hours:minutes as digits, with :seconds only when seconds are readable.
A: 4:41
